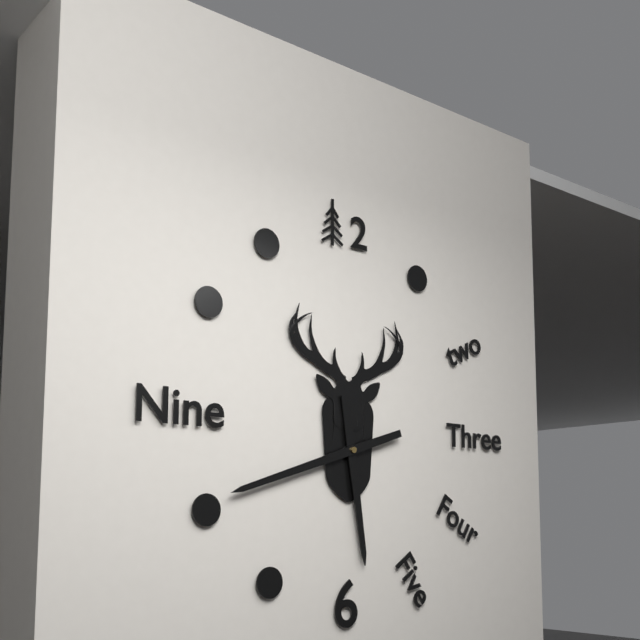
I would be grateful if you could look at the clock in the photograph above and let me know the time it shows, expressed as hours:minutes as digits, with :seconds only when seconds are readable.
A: 5:42
